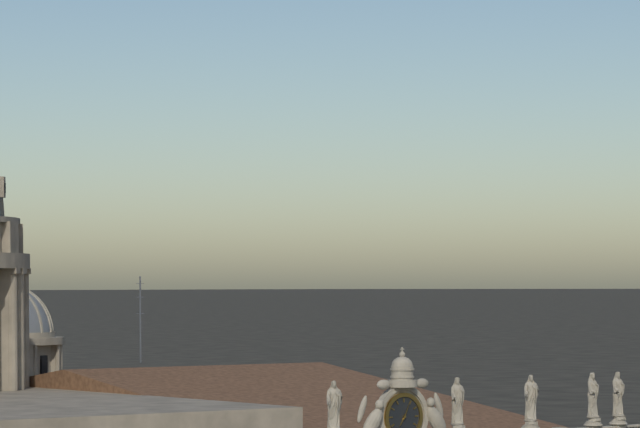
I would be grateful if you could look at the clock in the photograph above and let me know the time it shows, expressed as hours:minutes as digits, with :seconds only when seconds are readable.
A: 7:04
